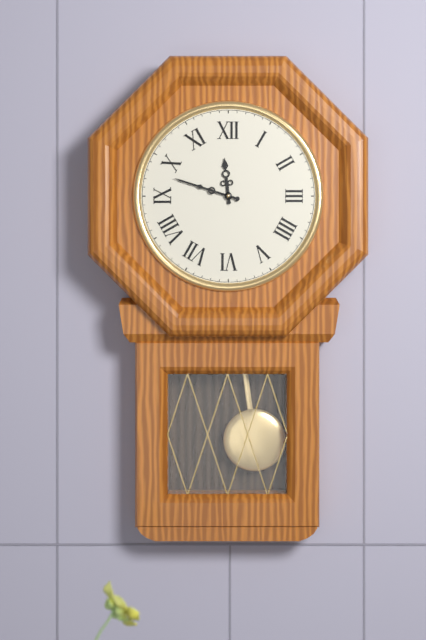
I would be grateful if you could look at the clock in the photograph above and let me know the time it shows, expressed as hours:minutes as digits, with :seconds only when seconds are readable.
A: 11:48
